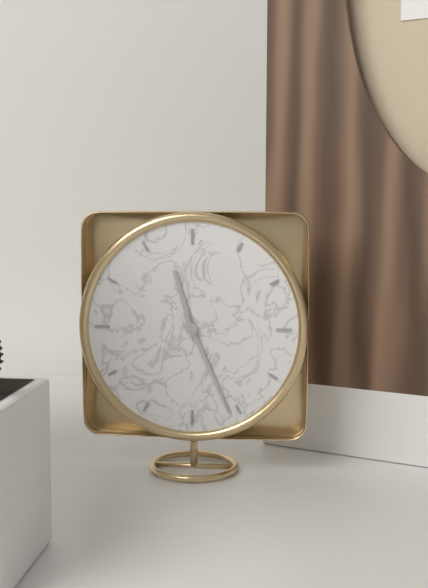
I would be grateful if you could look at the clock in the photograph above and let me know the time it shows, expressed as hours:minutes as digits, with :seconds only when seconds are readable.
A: 11:26
